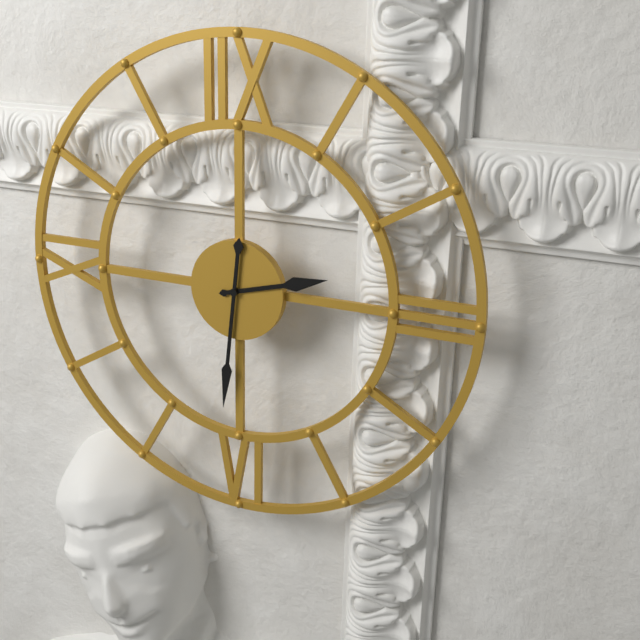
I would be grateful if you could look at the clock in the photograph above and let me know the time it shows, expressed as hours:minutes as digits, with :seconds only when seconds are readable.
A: 2:31
